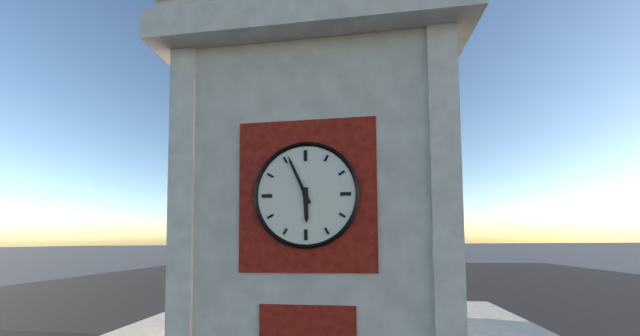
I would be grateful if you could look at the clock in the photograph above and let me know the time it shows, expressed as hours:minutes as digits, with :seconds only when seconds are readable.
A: 5:56
